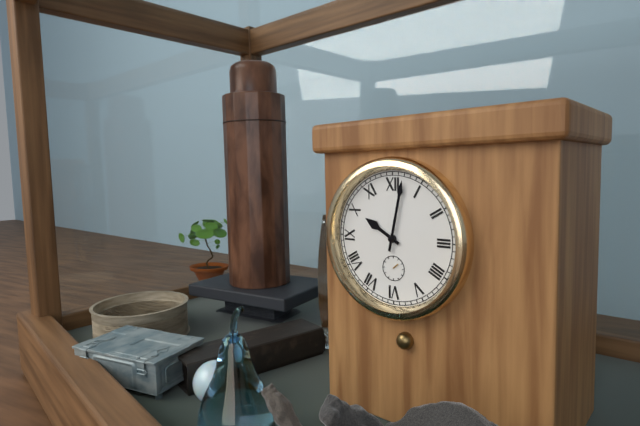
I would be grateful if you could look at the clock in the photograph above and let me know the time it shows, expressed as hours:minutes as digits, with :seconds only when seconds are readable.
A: 10:02
